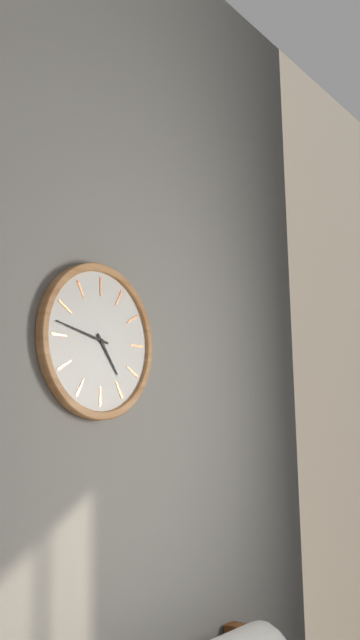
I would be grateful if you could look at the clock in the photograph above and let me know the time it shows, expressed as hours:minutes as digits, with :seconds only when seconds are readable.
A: 4:47
